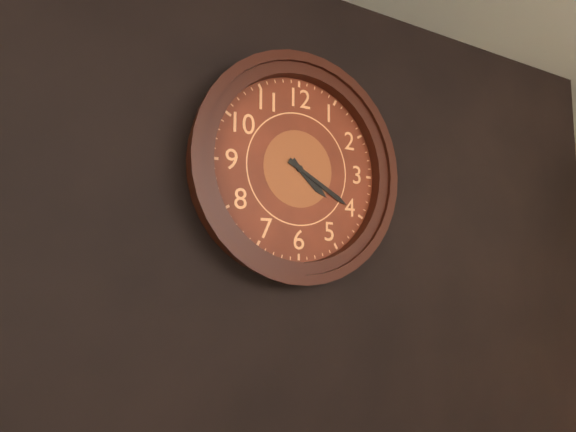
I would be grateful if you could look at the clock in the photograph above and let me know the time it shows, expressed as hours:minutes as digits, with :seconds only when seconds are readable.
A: 4:20
